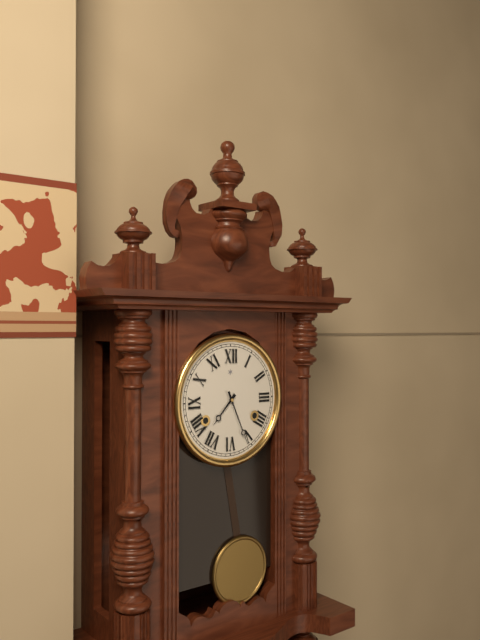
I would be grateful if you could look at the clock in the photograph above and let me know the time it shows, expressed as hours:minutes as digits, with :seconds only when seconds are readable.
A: 7:26
